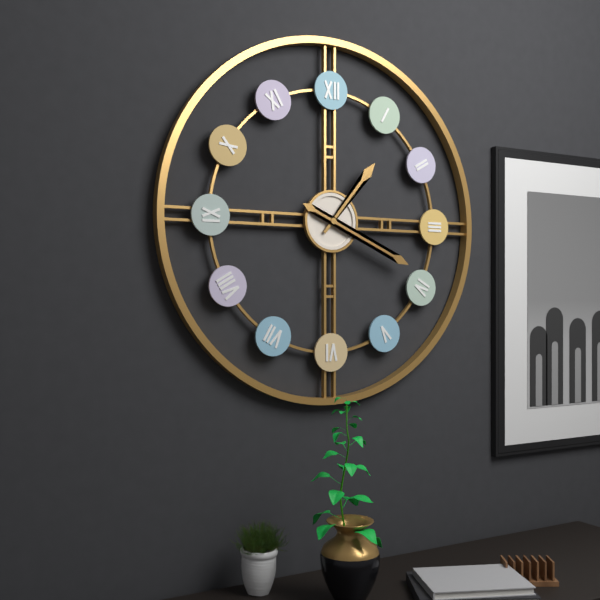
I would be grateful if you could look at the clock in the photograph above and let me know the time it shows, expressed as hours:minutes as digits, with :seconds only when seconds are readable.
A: 1:19
